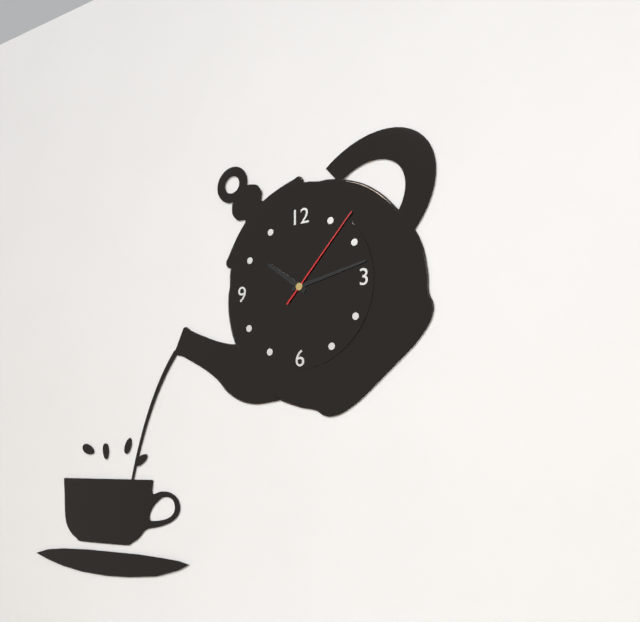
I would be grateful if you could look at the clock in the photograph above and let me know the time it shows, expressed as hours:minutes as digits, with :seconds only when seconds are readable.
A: 10:13:07
